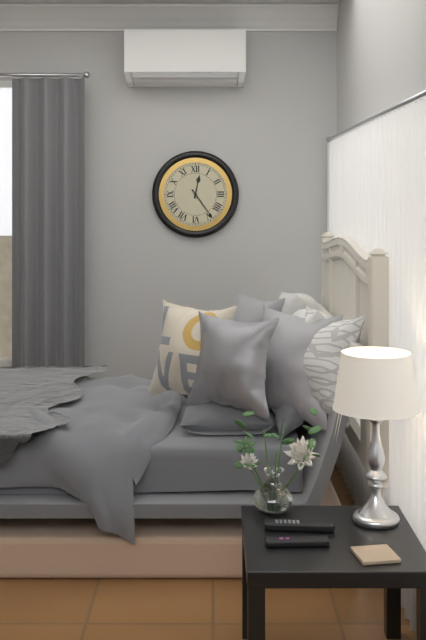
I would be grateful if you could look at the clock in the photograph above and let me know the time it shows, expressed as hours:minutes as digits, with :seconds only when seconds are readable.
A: 12:24
